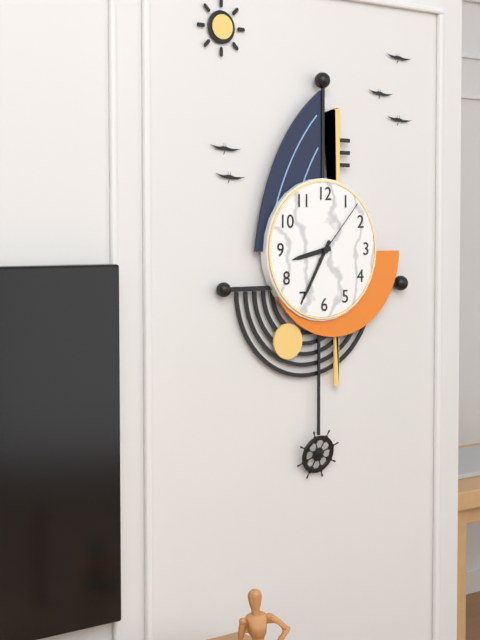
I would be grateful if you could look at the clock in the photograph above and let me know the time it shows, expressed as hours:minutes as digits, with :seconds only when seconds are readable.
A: 8:35:07
